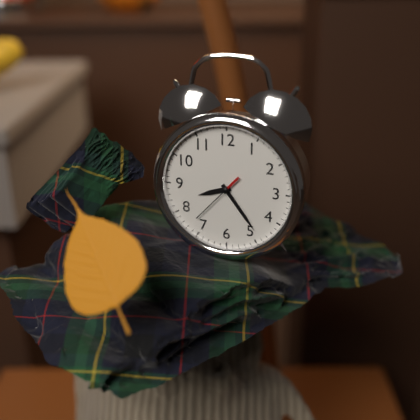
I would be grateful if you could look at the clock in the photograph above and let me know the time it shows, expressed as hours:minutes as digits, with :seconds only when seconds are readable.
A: 8:24:37
